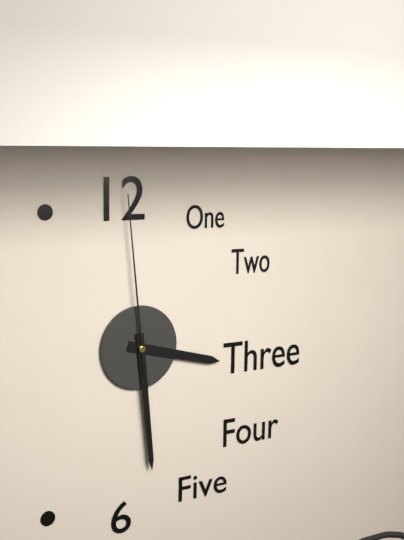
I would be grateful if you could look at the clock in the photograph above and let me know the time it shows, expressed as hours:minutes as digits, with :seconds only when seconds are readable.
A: 3:29:59
